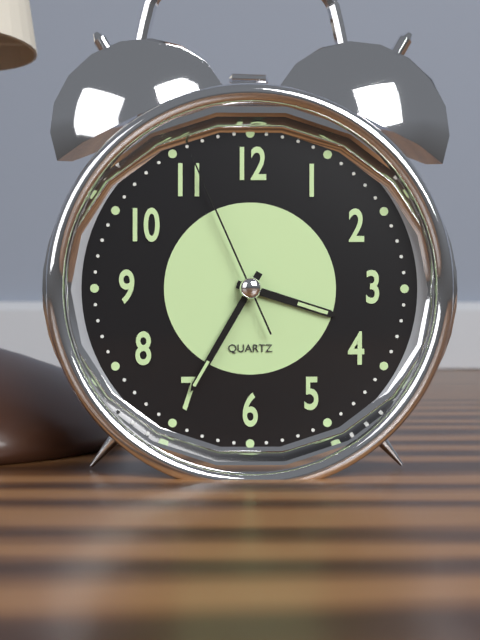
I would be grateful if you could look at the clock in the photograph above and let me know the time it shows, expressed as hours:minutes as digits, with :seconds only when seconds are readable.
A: 3:35:56
